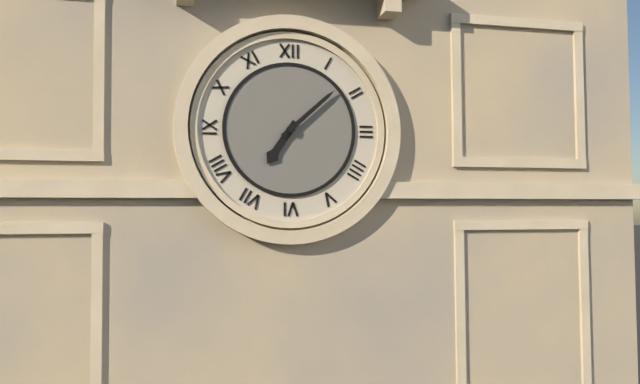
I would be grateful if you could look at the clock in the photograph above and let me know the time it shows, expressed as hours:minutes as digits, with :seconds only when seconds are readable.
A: 7:08
